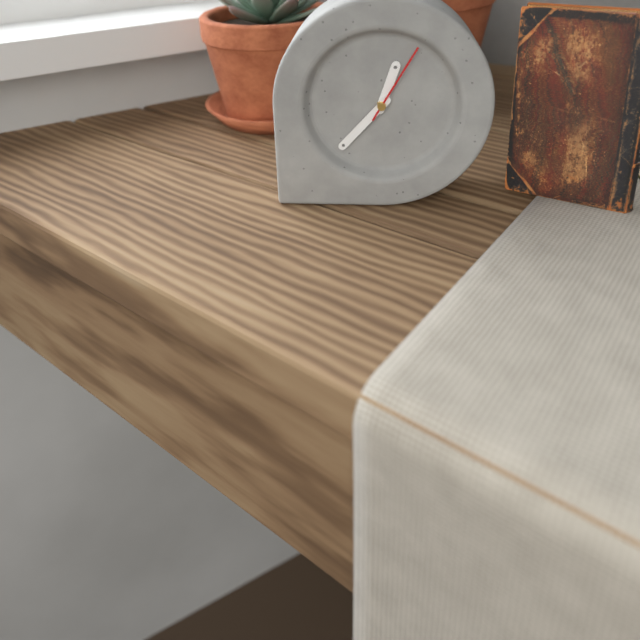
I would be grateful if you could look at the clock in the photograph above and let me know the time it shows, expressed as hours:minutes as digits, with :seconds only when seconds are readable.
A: 12:37:05
